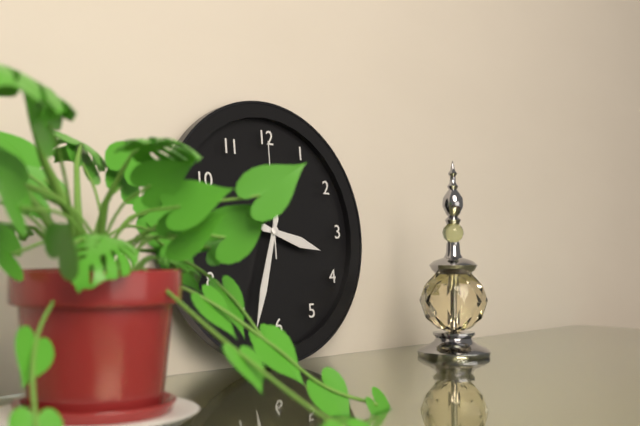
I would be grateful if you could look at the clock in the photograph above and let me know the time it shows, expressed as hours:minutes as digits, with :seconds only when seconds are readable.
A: 3:33:00
